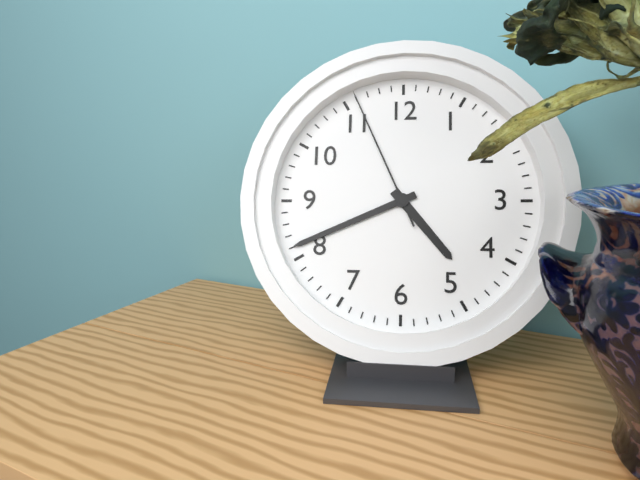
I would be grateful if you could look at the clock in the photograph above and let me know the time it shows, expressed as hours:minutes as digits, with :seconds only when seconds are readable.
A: 4:41:56
